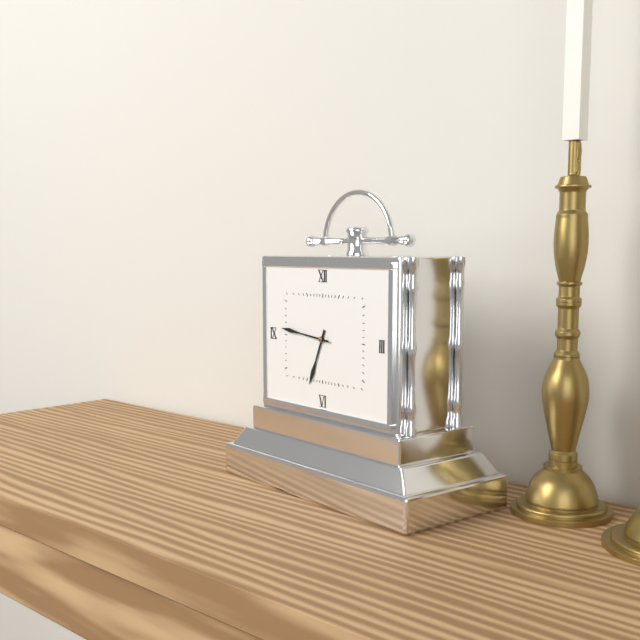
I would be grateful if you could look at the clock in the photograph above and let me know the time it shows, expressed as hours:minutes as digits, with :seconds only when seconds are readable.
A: 6:46
